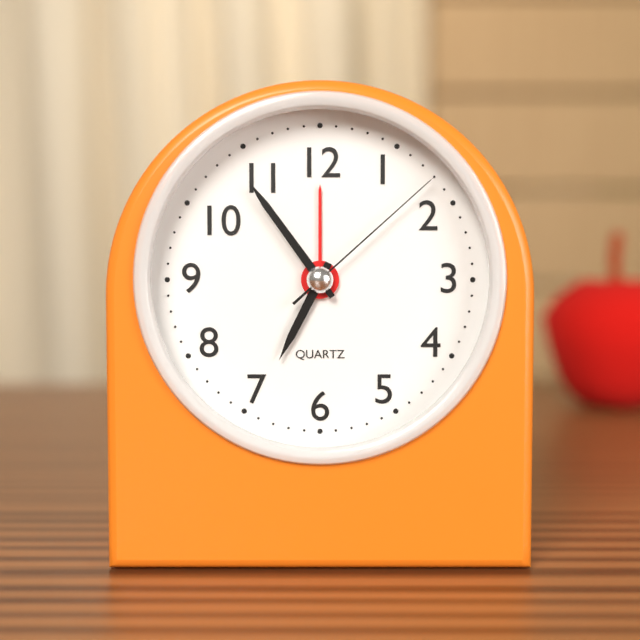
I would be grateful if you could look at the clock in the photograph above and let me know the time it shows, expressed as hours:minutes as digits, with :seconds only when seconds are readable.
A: 6:54:08
